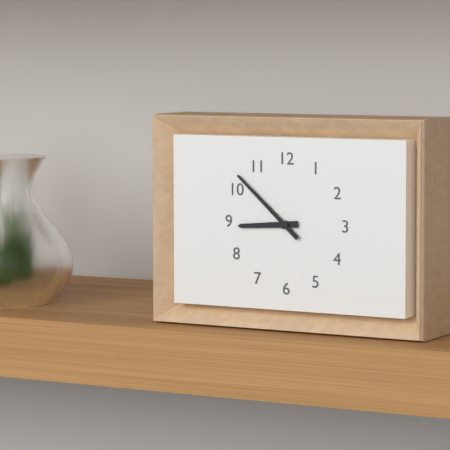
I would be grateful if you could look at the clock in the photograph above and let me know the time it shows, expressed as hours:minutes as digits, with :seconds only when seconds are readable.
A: 8:52
